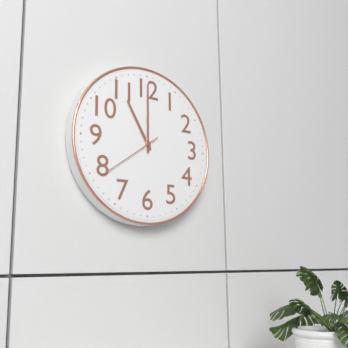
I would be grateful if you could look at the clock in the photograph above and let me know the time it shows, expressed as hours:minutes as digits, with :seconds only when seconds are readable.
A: 11:00:39
